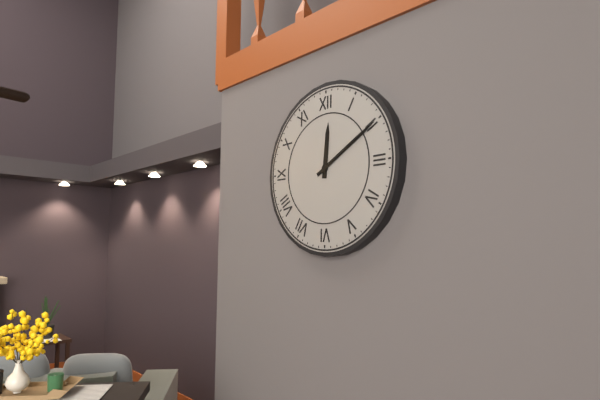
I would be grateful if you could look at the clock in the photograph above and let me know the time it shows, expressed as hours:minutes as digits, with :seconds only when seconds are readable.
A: 12:10
